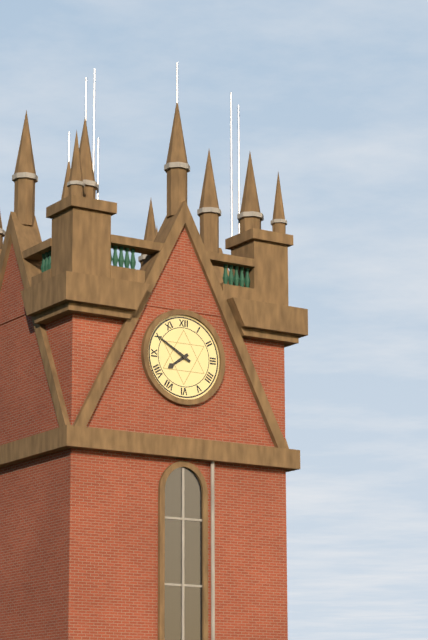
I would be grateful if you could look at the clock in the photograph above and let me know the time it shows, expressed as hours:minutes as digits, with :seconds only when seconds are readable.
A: 7:50
